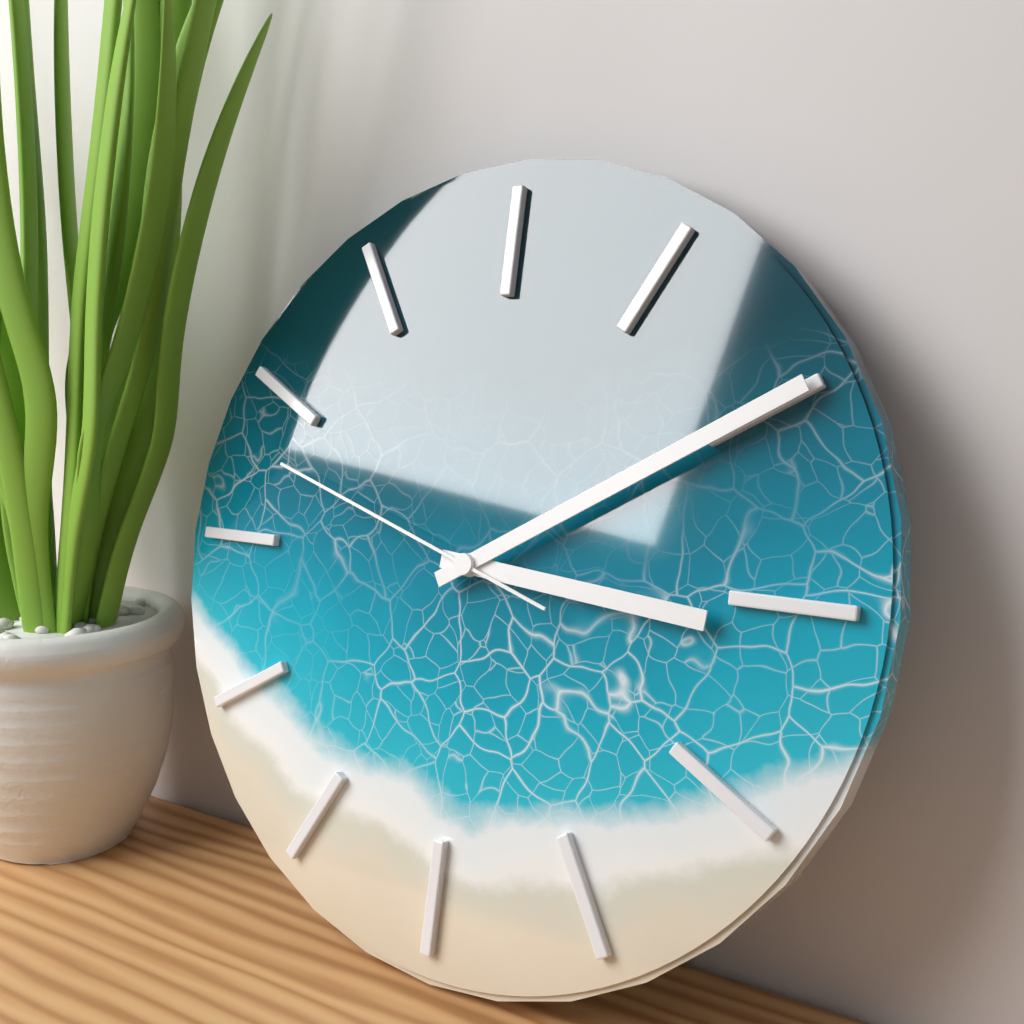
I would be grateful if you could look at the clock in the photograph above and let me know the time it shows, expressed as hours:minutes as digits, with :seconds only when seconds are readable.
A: 3:10:48
